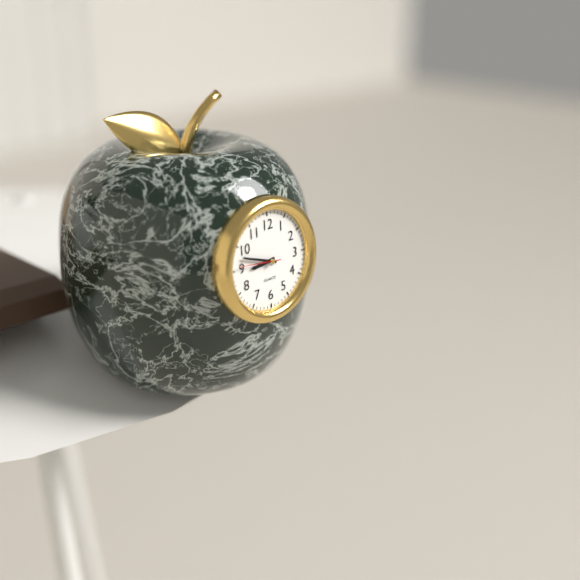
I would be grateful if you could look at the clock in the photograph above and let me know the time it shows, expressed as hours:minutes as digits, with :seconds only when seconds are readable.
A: 8:48
